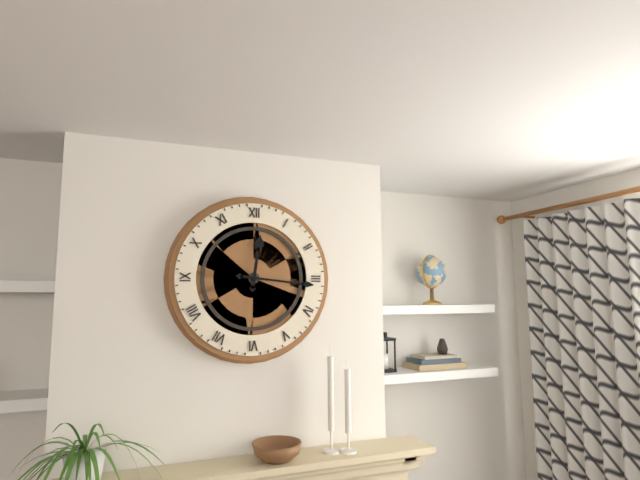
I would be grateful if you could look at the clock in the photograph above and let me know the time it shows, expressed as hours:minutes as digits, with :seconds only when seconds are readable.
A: 12:16
